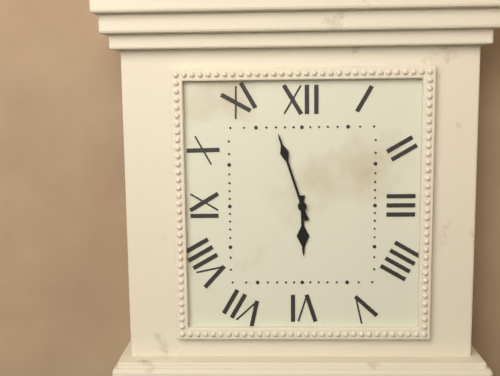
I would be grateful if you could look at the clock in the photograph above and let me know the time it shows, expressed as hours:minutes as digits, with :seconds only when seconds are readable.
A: 5:57
